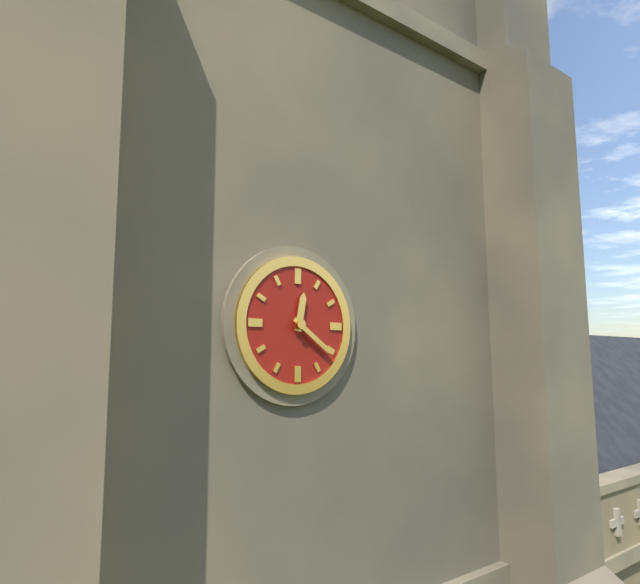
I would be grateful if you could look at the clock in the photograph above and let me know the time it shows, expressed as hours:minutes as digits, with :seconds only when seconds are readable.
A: 12:21
